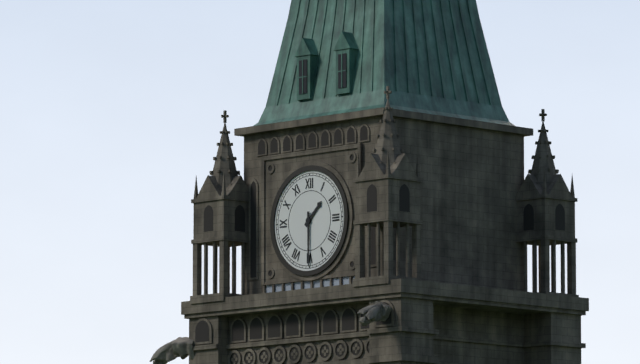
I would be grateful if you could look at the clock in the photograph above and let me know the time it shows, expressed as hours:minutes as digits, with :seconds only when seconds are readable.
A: 1:30
